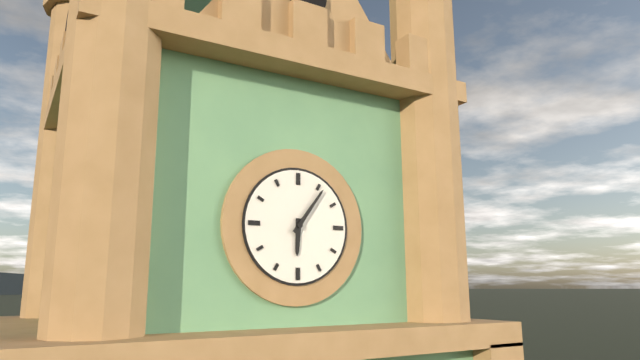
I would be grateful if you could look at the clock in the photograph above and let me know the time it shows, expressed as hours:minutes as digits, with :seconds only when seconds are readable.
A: 6:06
